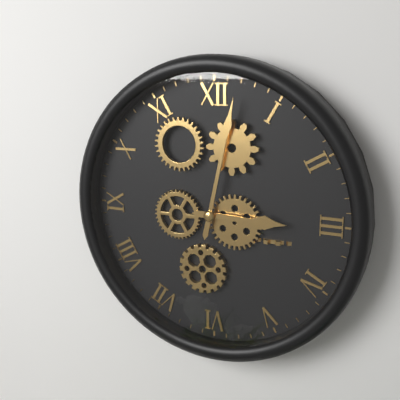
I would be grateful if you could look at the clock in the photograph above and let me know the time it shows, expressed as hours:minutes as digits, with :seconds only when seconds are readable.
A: 3:02
